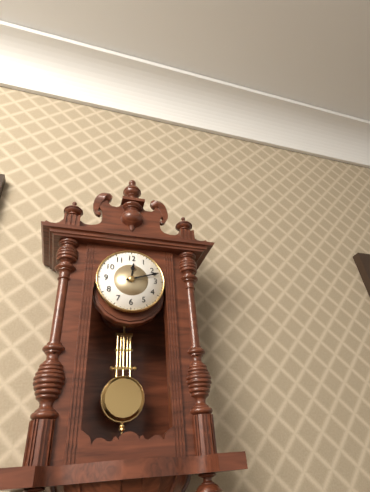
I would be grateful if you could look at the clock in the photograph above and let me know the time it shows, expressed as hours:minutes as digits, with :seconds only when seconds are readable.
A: 12:12
